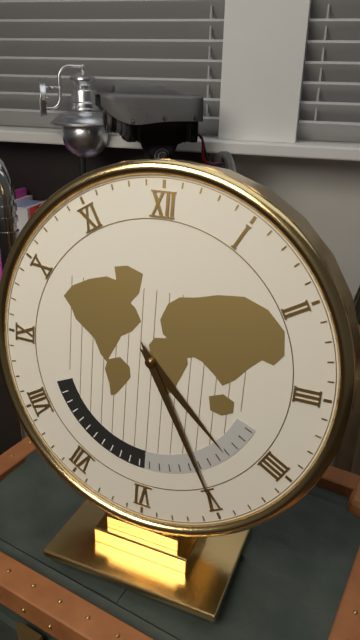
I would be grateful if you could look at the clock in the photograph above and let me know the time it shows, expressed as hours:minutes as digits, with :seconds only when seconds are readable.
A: 4:25
